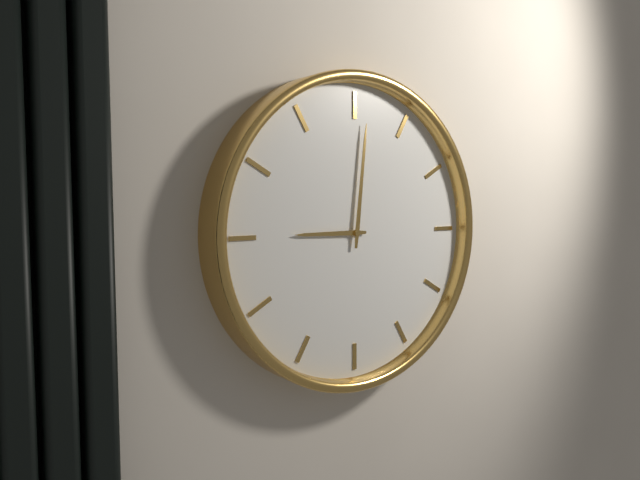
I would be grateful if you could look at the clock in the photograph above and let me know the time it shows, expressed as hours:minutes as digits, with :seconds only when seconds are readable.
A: 9:01
